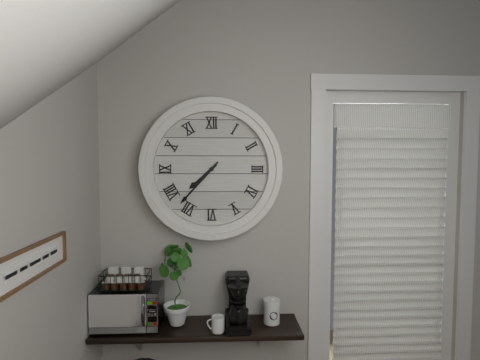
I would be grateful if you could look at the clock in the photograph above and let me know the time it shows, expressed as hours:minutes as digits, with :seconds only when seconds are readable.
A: 7:37
